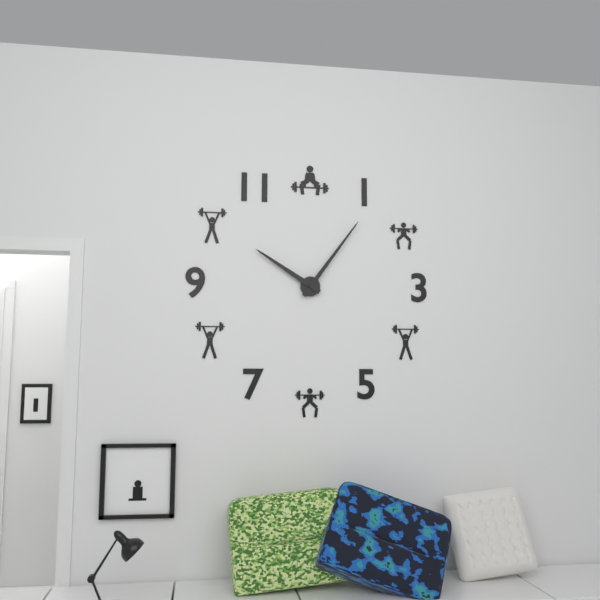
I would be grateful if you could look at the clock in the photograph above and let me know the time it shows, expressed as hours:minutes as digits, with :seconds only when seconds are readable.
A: 10:06
